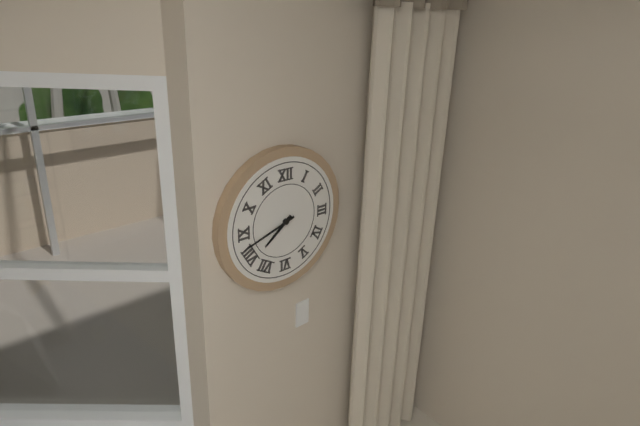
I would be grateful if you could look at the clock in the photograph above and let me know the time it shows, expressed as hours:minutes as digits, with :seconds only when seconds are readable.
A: 7:42
